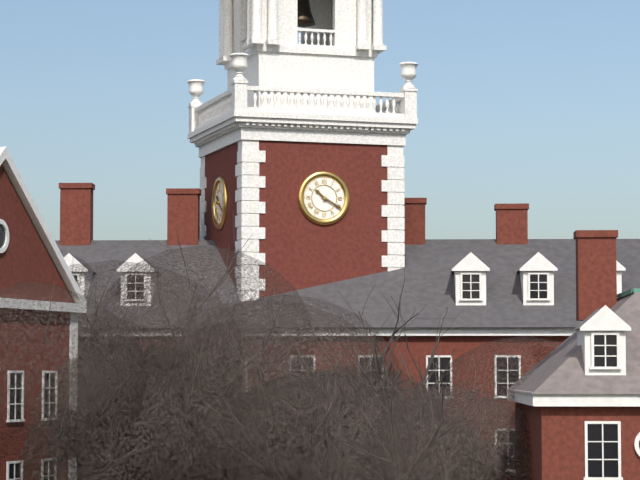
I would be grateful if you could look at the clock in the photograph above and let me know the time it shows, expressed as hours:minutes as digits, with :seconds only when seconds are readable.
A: 10:20
